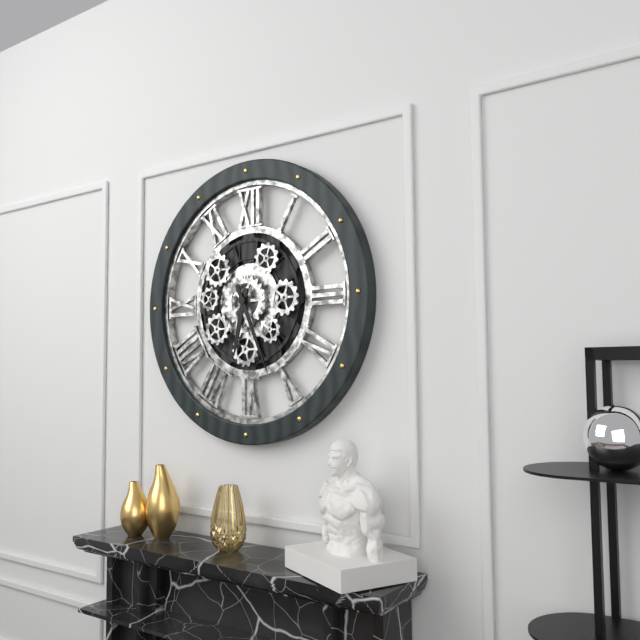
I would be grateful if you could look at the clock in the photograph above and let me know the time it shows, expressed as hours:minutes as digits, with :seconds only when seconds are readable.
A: 6:26
